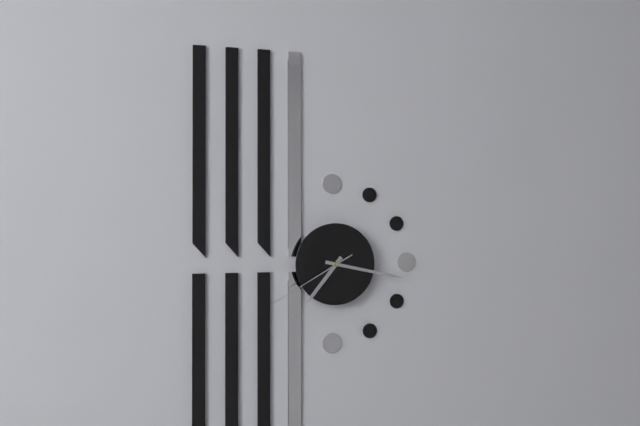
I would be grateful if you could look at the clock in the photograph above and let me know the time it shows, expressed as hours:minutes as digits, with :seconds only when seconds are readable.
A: 7:17:40
